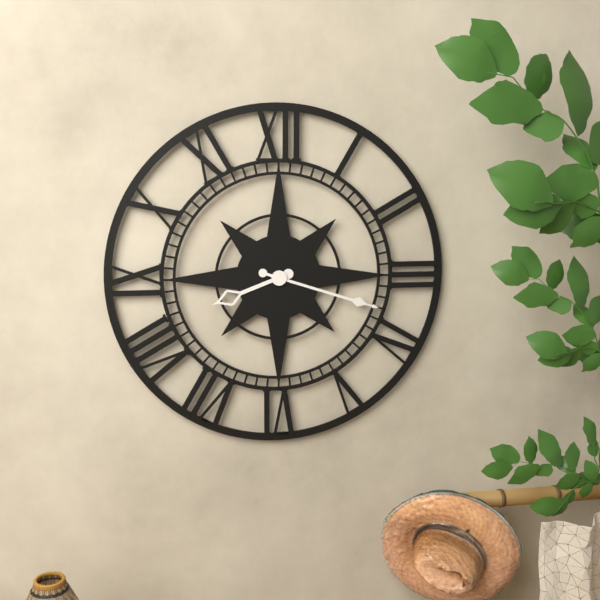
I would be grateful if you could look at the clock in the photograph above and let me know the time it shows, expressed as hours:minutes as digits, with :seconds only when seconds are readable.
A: 8:18
